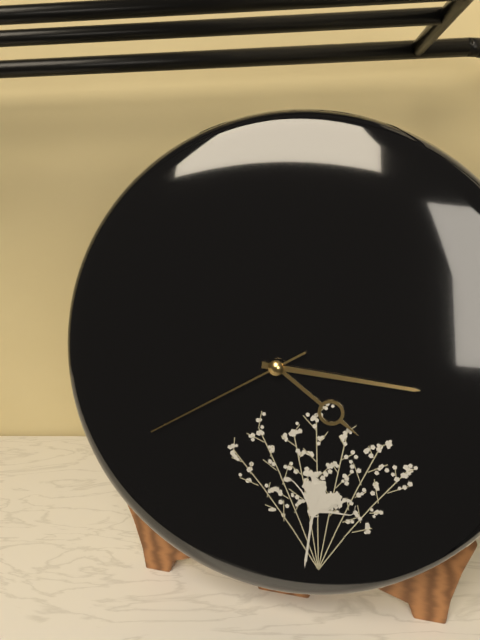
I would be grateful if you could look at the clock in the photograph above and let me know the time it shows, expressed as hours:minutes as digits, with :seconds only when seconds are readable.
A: 4:16:40
